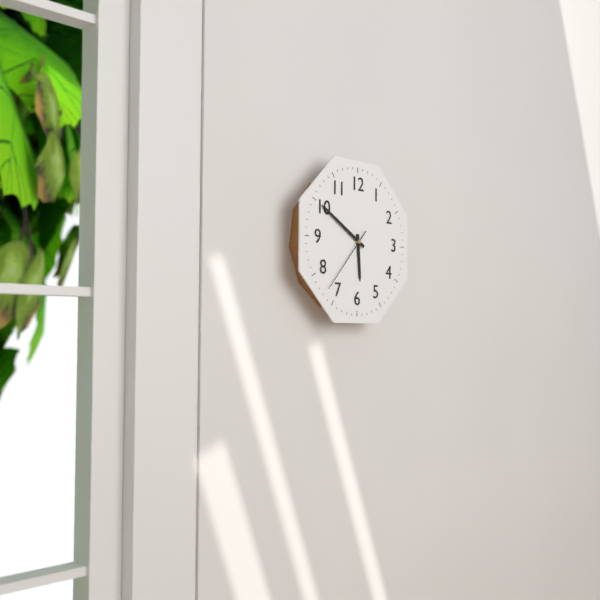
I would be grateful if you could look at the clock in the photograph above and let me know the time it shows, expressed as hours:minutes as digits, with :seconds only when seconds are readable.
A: 5:50:37
